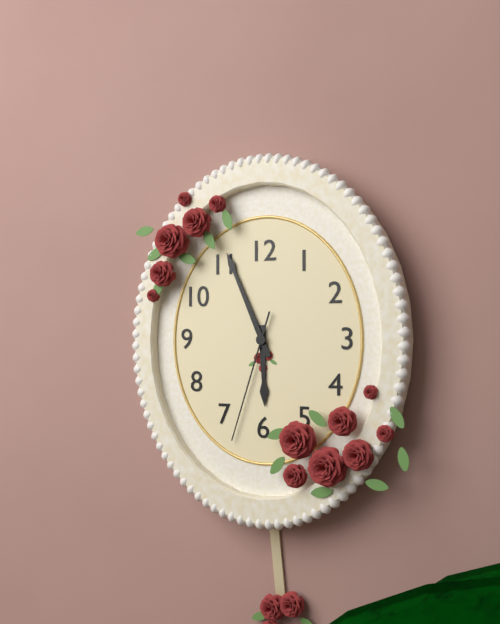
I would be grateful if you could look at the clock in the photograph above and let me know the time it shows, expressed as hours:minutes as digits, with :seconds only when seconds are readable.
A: 5:56:33
